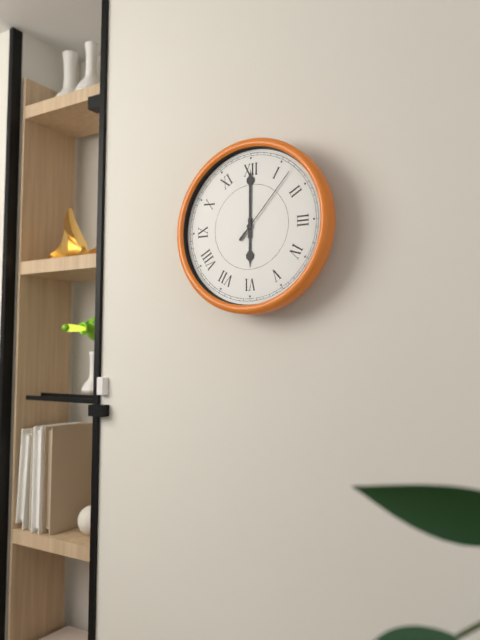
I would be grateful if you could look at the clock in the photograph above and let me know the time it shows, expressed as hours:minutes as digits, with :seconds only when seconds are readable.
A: 6:00:07
